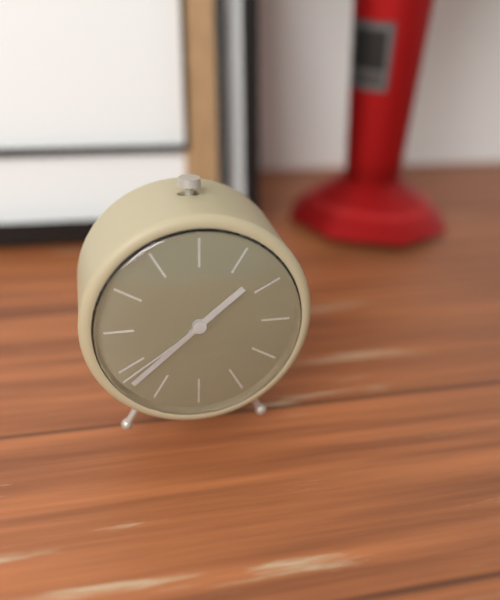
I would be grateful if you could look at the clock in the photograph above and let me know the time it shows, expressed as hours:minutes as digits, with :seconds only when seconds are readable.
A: 1:38:39
